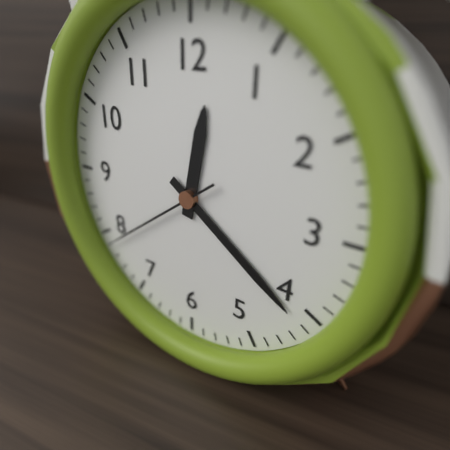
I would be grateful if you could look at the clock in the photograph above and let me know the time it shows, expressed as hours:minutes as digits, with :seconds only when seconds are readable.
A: 12:21:39
